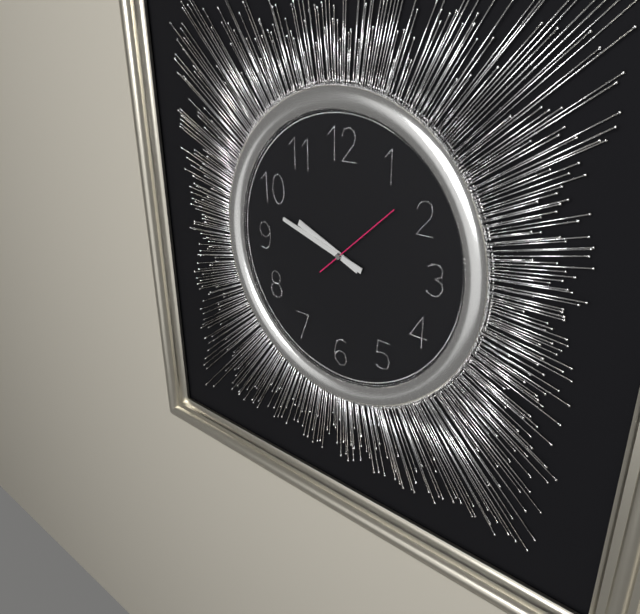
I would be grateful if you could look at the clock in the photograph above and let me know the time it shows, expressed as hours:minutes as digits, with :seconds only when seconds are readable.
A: 9:48:08
